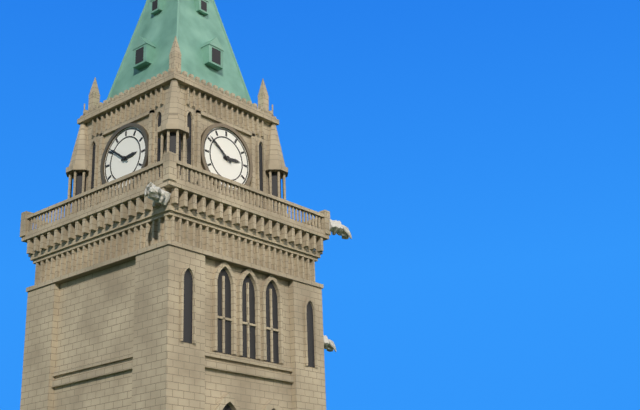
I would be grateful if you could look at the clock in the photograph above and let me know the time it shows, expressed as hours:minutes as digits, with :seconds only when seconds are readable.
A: 2:51
